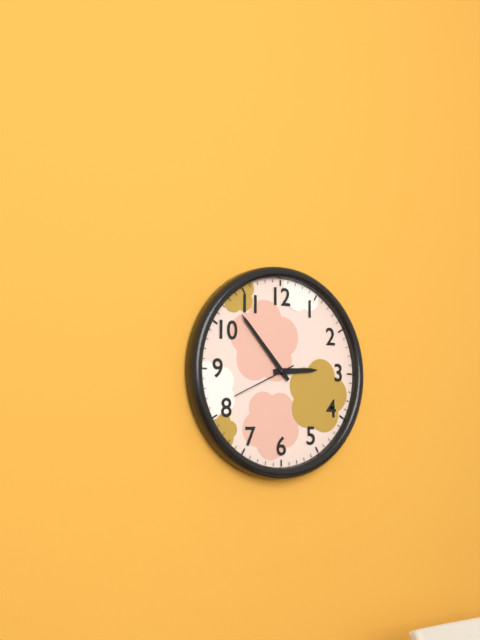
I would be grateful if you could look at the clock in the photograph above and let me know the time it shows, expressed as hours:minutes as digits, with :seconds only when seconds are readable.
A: 2:53:41
